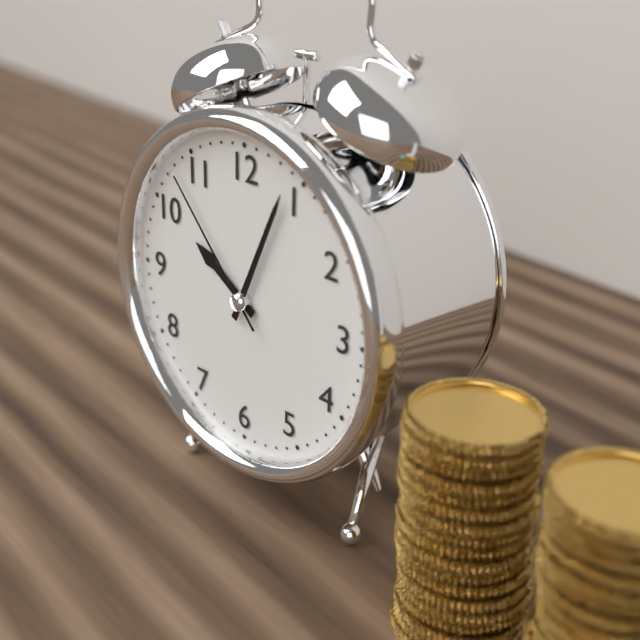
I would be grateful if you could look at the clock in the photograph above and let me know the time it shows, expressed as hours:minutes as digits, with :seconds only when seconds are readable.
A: 10:04:53
